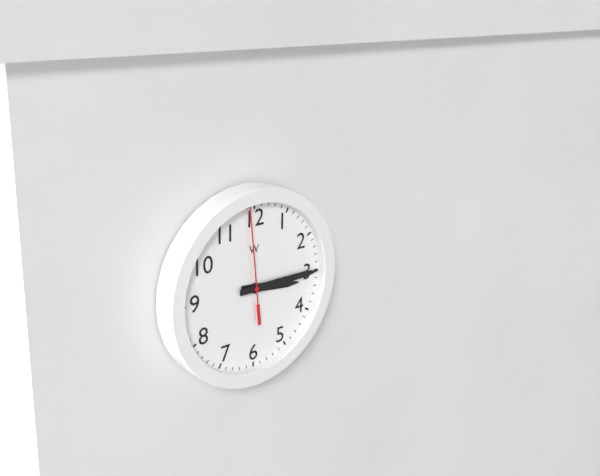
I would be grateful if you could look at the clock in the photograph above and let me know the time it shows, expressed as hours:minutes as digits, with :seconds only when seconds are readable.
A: 3:15:59
